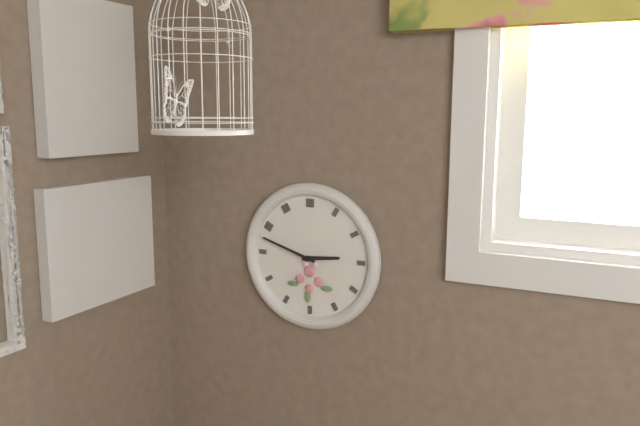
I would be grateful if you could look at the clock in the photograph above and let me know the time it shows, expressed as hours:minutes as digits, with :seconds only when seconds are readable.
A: 2:48
